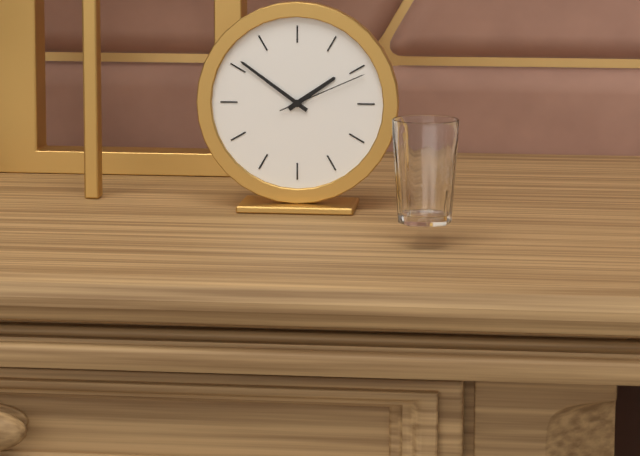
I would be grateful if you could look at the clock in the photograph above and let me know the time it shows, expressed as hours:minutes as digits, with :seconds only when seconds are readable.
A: 1:51:11
